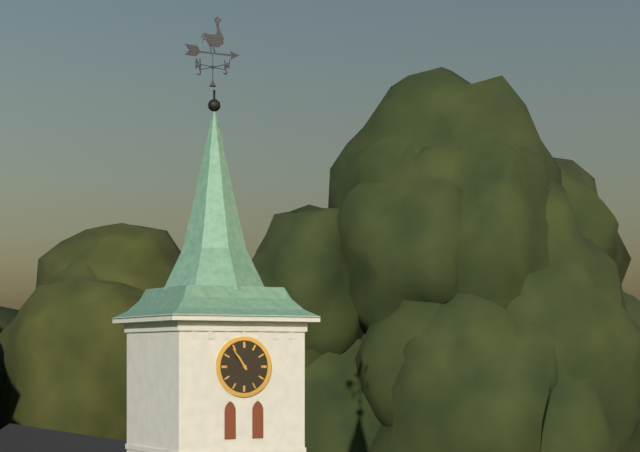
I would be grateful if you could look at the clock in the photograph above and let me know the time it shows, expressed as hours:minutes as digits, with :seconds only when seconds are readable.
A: 10:54
